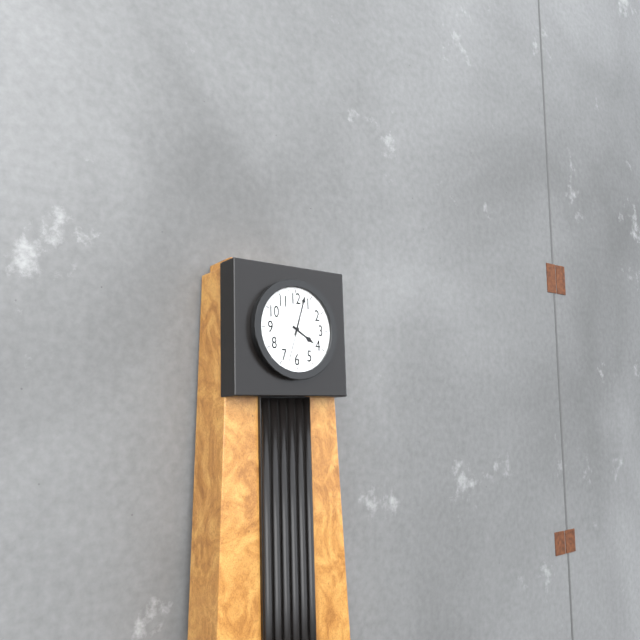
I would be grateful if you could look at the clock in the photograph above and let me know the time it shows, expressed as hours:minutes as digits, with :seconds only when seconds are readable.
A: 4:03
